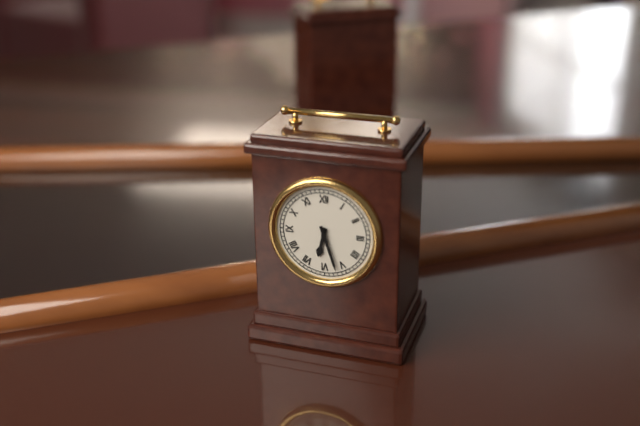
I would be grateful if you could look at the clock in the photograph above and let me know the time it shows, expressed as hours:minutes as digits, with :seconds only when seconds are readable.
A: 6:27
